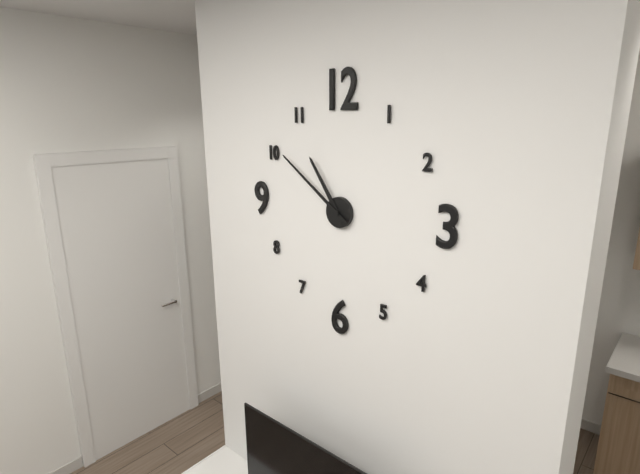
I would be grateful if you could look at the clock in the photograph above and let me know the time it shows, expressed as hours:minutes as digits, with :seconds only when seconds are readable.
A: 10:51
